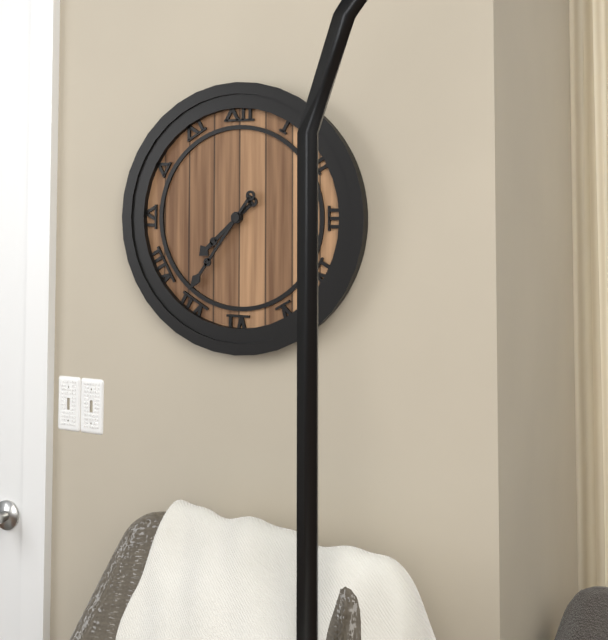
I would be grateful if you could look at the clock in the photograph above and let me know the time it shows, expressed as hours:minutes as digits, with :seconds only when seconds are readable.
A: 7:36
